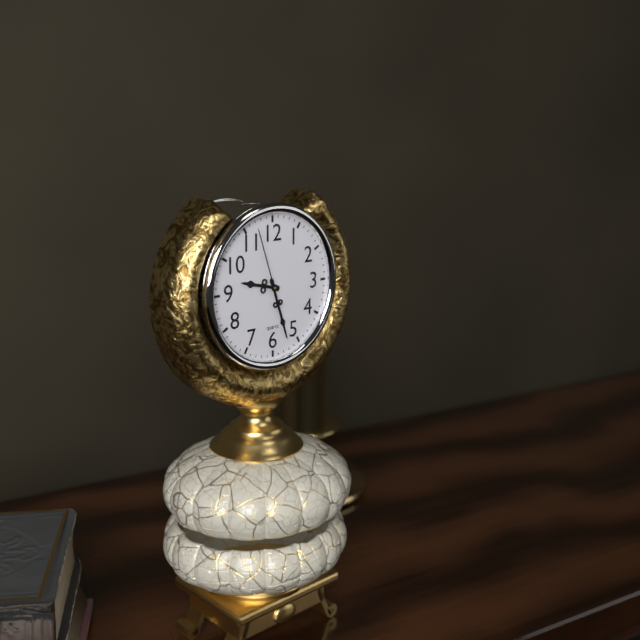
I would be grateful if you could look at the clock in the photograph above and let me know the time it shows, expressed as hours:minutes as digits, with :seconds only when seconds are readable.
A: 9:27:57
